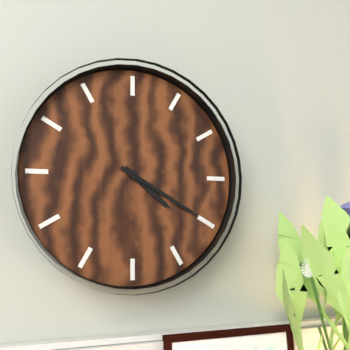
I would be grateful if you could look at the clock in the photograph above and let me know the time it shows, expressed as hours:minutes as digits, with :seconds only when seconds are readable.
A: 4:20
